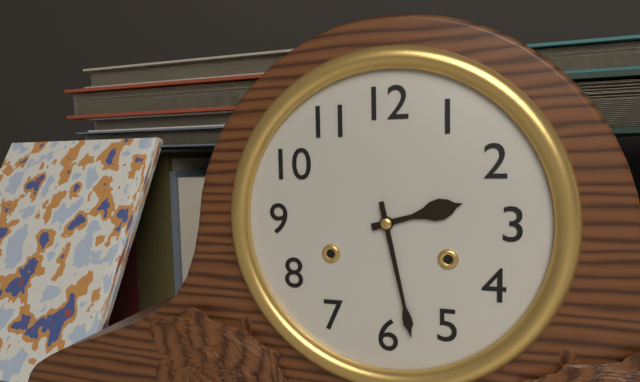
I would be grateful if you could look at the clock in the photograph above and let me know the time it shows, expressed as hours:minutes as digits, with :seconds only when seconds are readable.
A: 2:28
